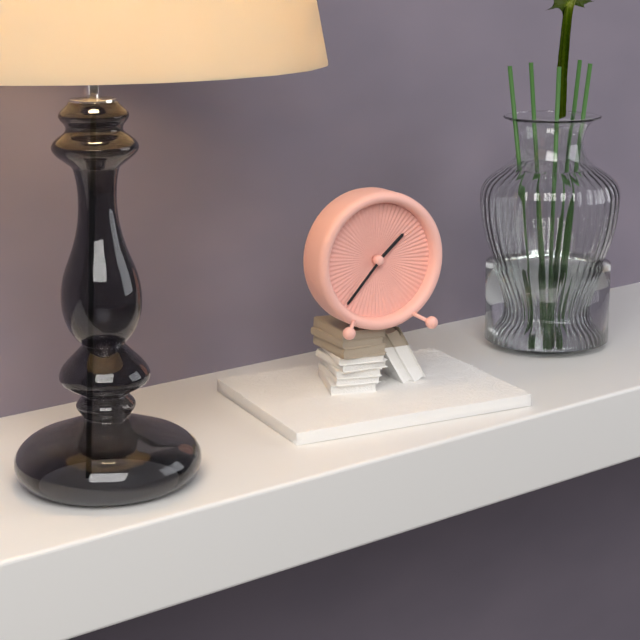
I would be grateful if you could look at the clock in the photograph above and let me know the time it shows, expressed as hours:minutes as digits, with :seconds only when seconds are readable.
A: 1:37
